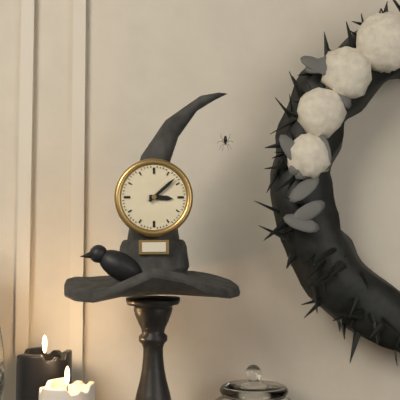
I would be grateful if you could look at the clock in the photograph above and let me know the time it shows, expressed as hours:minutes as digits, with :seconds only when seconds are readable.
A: 3:08
